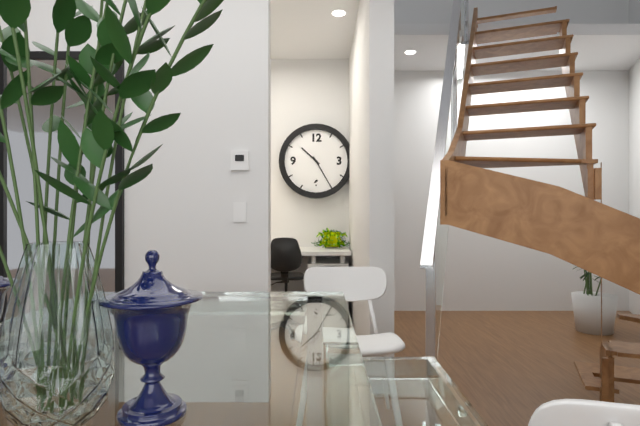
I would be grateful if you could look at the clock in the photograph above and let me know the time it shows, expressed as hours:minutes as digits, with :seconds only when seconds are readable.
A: 10:25
